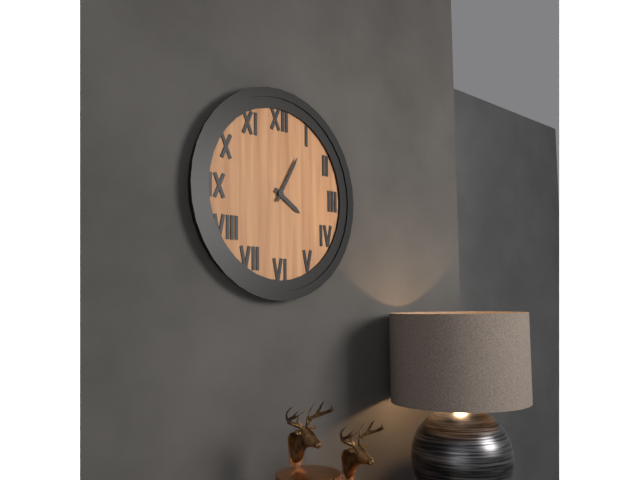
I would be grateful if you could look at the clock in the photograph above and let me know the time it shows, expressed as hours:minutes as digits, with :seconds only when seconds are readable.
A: 4:05
